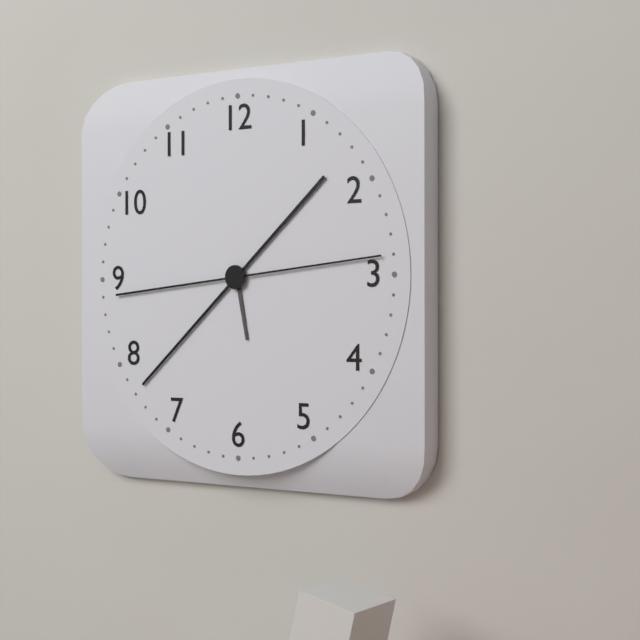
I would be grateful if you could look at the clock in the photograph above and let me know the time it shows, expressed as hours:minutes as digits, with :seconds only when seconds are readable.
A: 5:38:14
